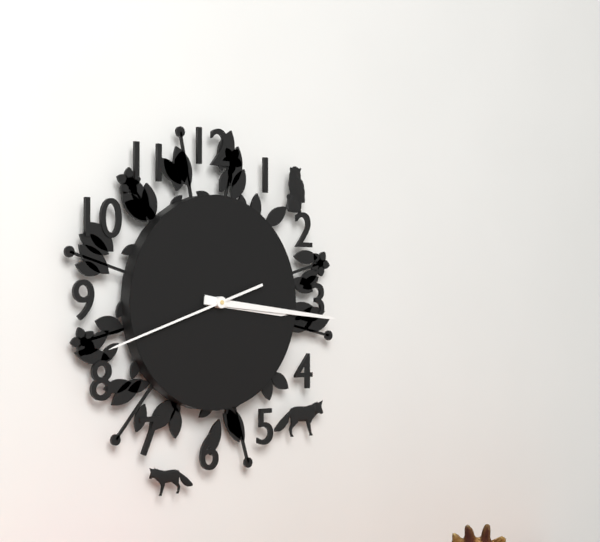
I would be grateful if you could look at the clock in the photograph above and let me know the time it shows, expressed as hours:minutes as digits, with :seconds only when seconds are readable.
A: 3:16:42
